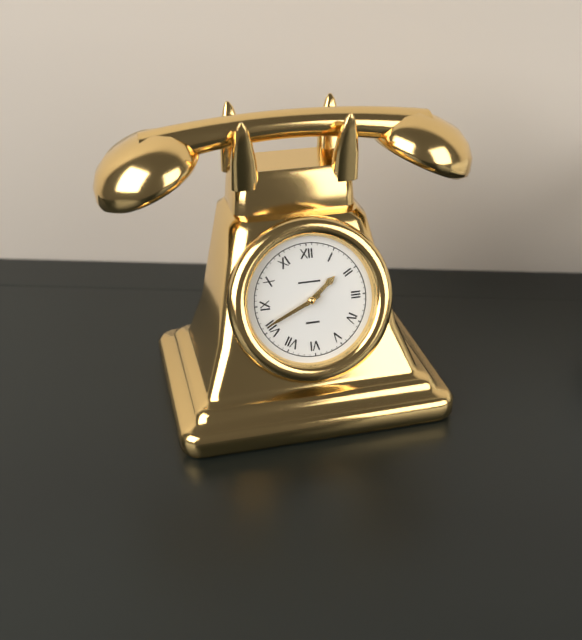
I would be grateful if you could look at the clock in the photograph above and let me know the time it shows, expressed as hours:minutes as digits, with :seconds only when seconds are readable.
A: 1:41
